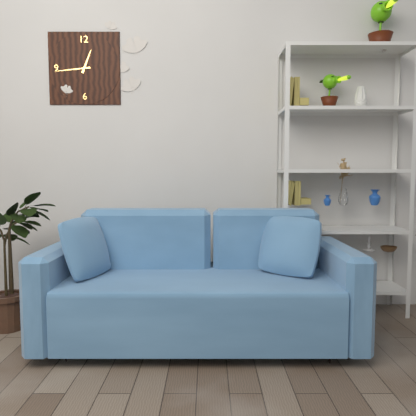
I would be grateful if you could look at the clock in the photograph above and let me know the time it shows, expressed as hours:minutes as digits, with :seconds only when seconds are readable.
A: 12:44
